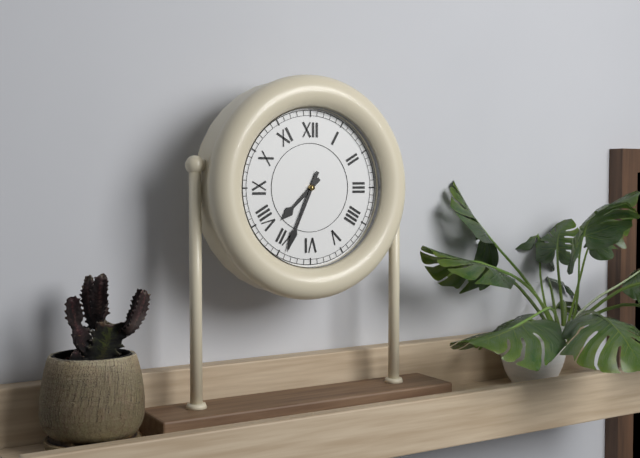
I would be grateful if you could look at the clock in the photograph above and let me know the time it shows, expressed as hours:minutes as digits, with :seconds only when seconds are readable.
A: 7:34
